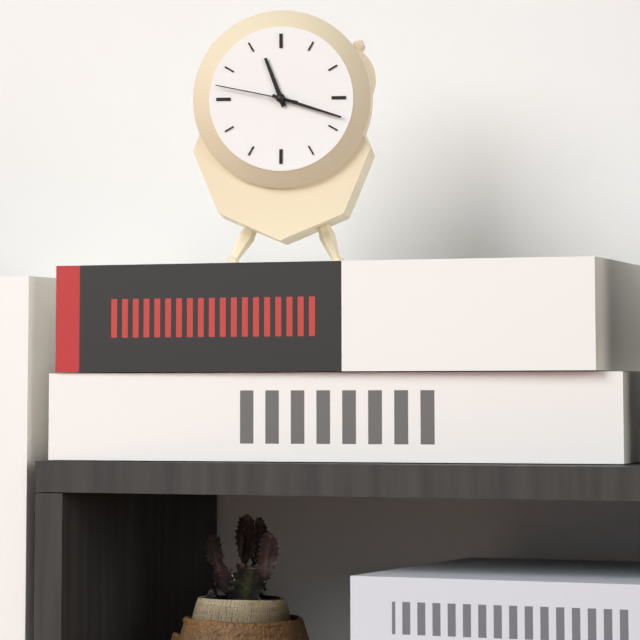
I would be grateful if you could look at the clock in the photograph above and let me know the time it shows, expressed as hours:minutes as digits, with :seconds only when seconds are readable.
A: 11:18:47
